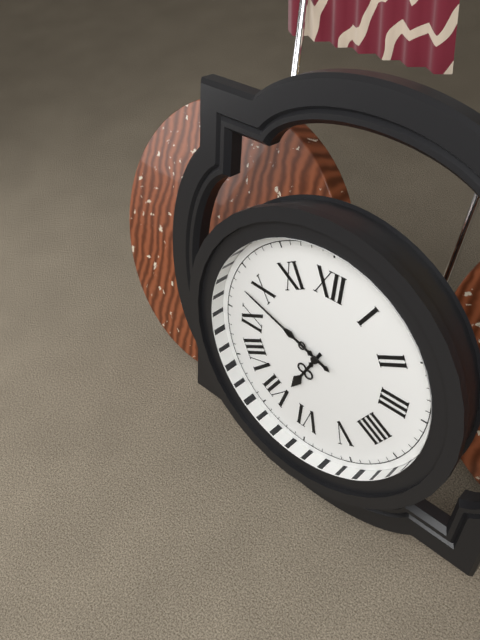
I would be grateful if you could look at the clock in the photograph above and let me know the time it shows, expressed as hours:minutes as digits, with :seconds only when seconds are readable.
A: 6:48
